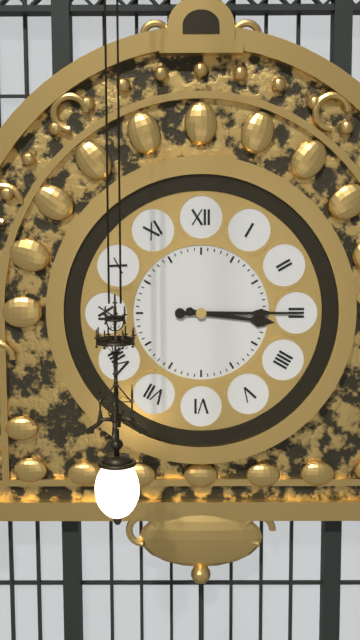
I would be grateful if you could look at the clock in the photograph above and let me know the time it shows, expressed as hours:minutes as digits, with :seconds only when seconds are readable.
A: 3:15
